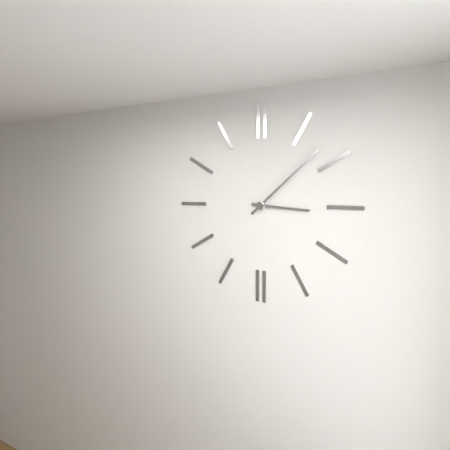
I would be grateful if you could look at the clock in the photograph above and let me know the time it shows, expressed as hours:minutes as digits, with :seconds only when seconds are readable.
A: 3:08
